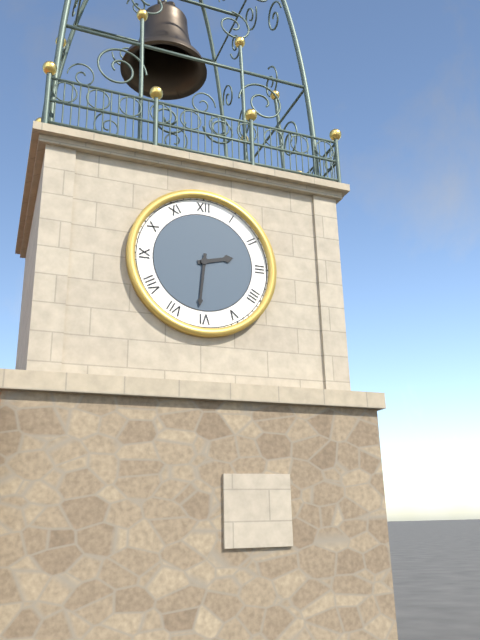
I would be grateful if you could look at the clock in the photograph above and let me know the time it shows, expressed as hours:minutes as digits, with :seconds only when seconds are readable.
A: 2:31
